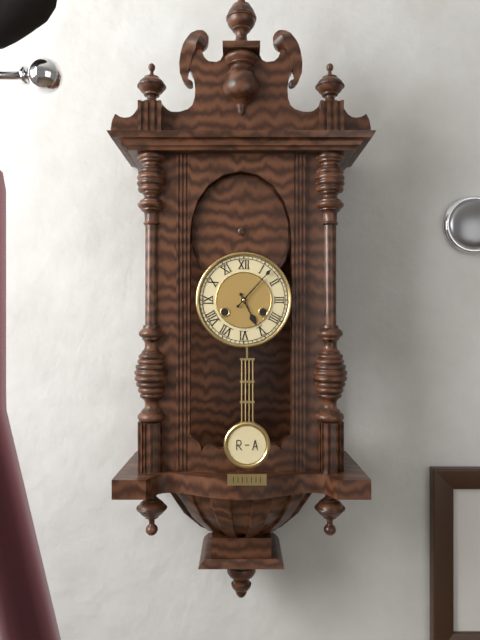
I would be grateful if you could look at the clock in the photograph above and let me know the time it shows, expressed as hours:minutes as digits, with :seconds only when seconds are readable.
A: 5:07
